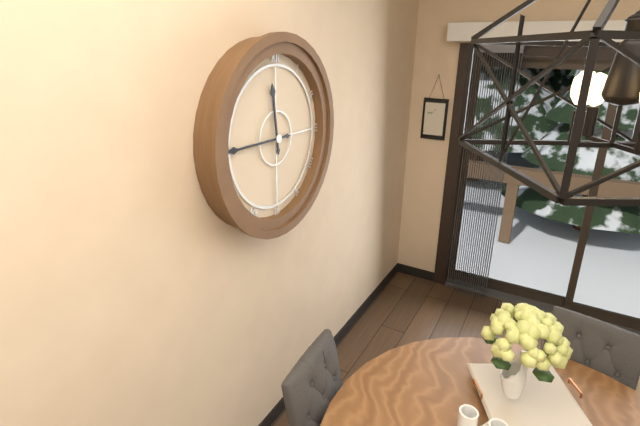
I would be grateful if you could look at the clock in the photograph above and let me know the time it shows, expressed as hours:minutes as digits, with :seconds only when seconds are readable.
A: 11:45
